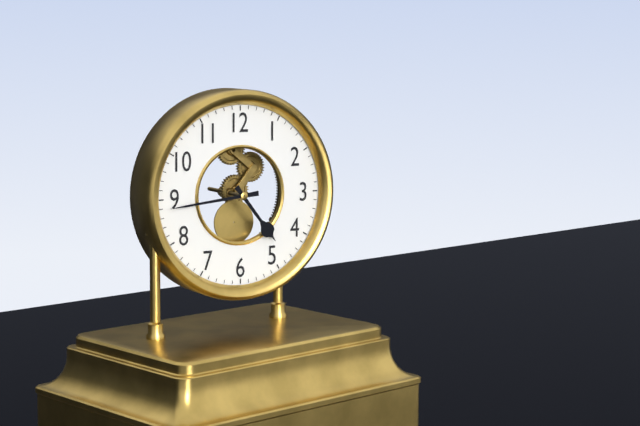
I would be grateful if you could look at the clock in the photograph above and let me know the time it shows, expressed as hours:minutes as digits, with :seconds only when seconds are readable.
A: 4:44
